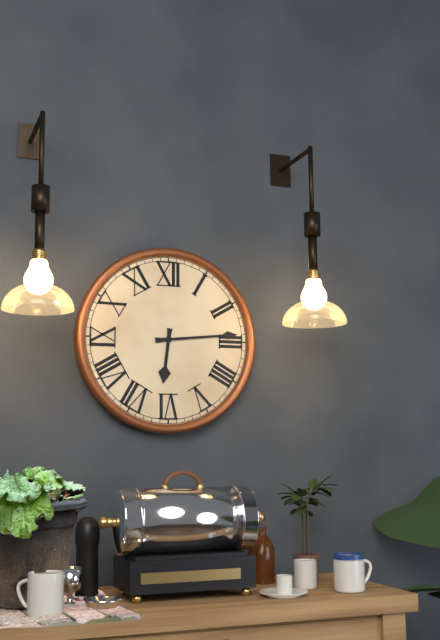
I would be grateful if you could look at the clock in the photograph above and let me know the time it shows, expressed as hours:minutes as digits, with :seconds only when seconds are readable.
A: 6:14
